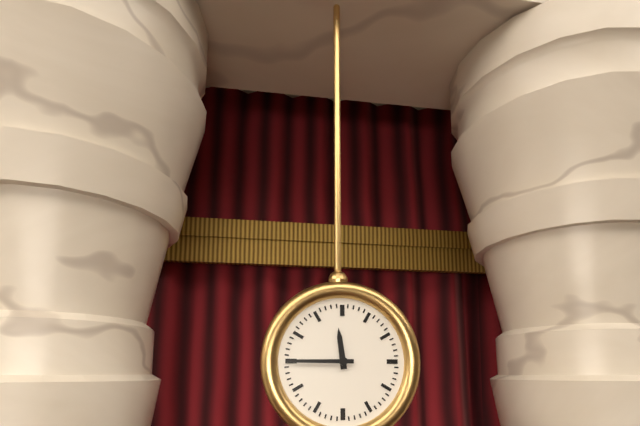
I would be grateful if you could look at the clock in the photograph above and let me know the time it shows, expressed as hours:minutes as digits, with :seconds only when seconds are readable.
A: 11:45
